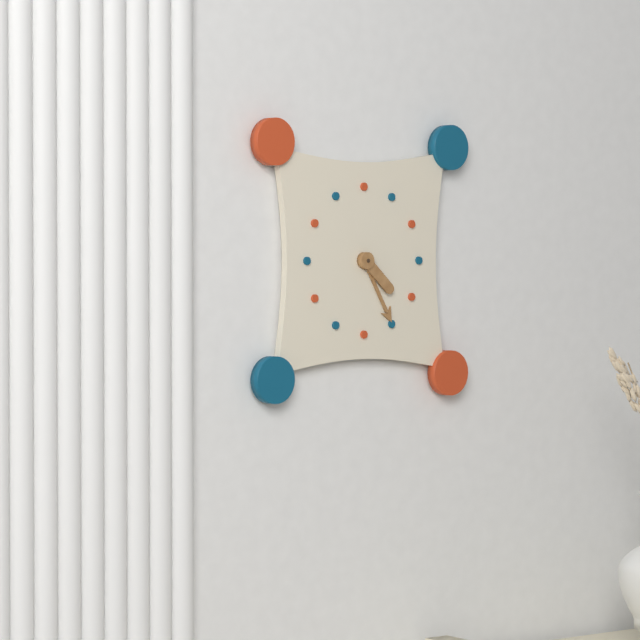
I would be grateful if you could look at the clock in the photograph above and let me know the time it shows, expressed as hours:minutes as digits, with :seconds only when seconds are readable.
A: 4:25
